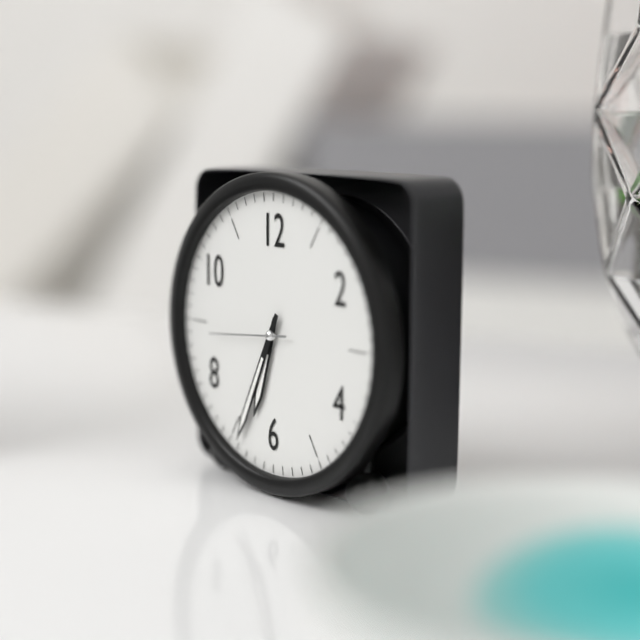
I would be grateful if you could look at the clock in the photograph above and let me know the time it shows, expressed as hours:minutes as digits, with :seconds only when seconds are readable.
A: 6:34:44
